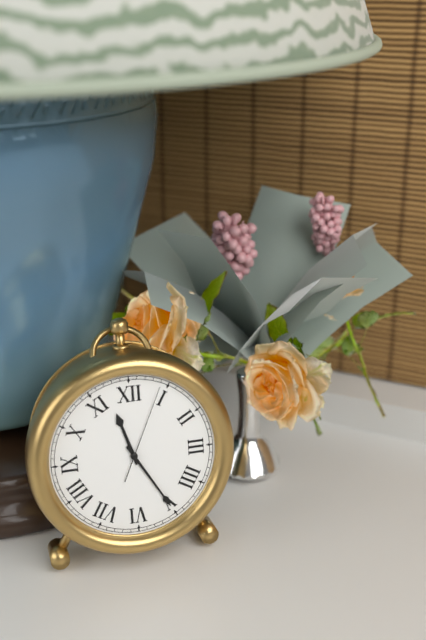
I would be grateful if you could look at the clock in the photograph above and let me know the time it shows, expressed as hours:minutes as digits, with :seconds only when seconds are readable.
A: 11:25:04
